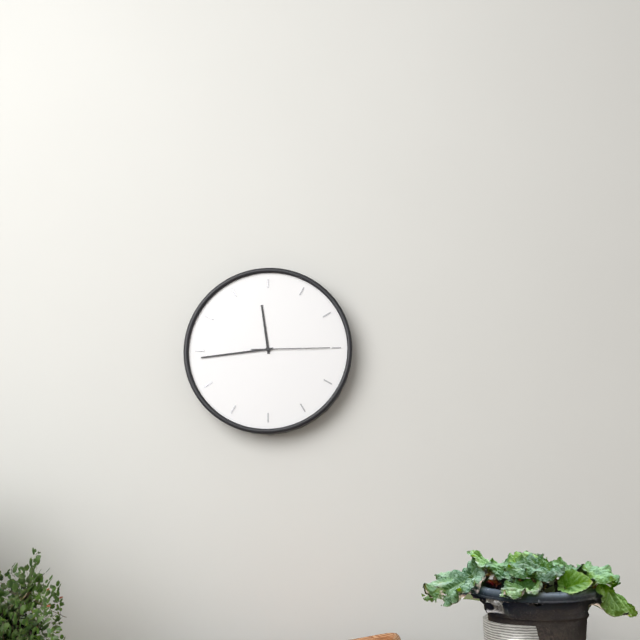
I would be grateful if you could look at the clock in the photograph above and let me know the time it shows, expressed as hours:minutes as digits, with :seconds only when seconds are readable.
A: 11:44:15
